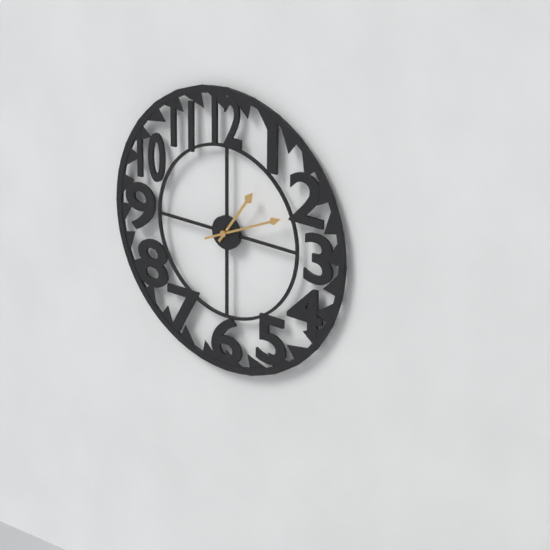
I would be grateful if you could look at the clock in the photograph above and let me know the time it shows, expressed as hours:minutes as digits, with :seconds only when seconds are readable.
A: 1:11
